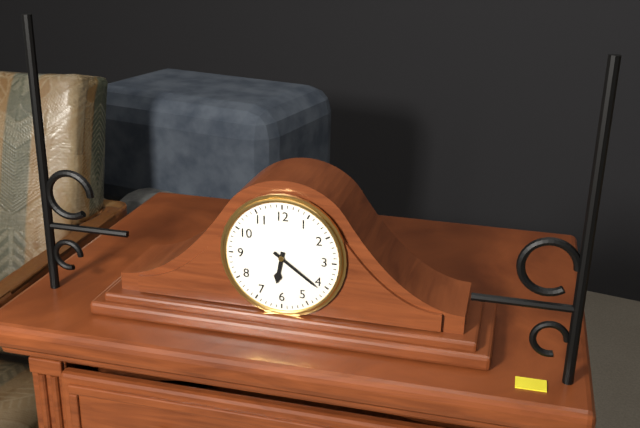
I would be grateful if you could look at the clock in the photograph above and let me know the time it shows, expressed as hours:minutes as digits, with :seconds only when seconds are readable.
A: 6:21
